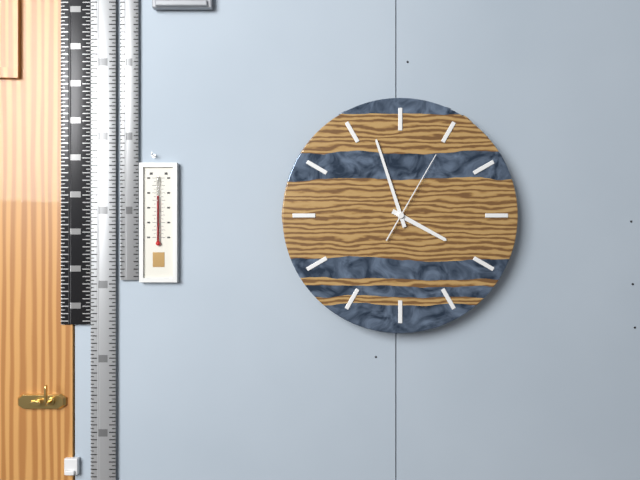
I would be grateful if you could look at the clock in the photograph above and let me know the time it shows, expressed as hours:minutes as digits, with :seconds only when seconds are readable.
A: 3:57:05
